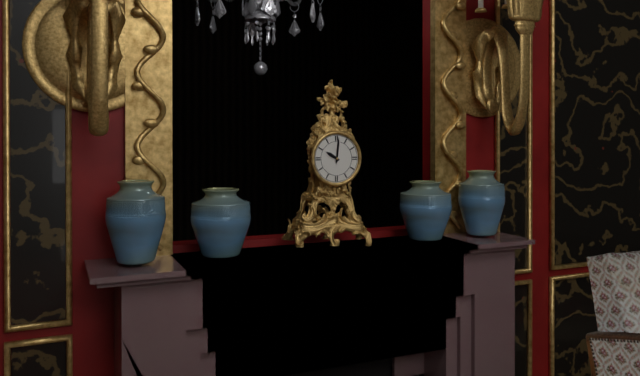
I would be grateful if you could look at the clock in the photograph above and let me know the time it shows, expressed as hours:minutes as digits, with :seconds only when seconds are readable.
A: 10:01
